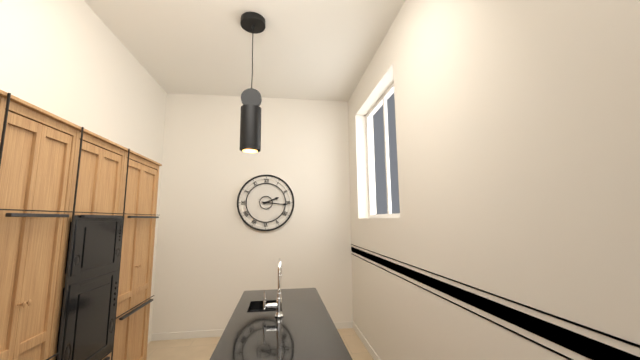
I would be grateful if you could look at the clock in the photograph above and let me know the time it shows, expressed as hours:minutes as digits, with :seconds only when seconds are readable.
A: 2:16
